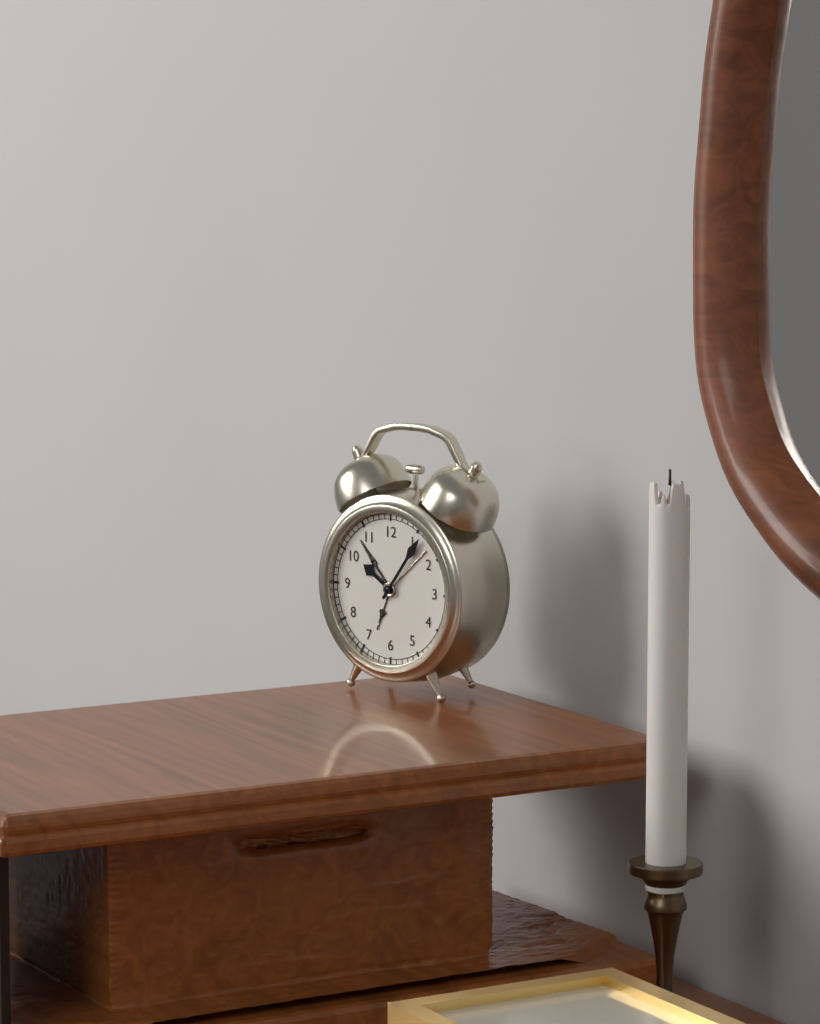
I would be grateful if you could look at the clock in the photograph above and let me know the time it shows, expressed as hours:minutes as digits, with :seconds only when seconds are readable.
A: 10:06
